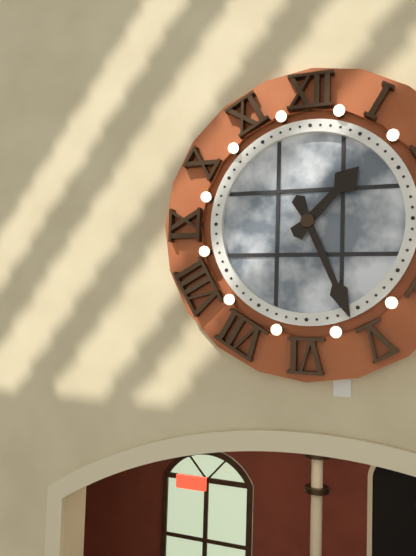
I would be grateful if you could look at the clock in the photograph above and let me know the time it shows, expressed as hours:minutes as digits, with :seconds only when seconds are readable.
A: 1:26
